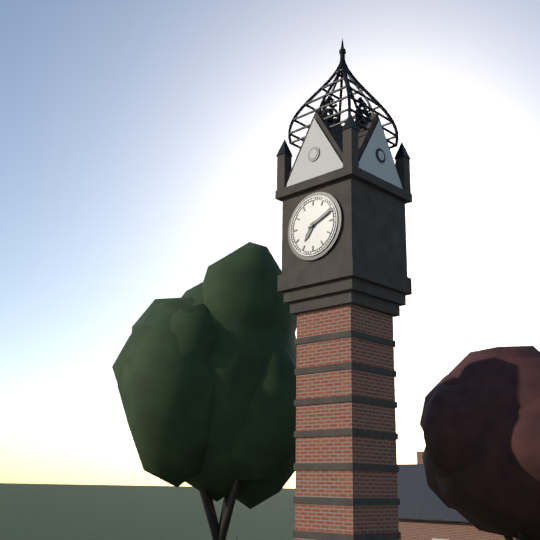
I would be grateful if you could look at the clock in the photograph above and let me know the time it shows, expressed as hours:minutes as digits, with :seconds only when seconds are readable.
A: 7:11
